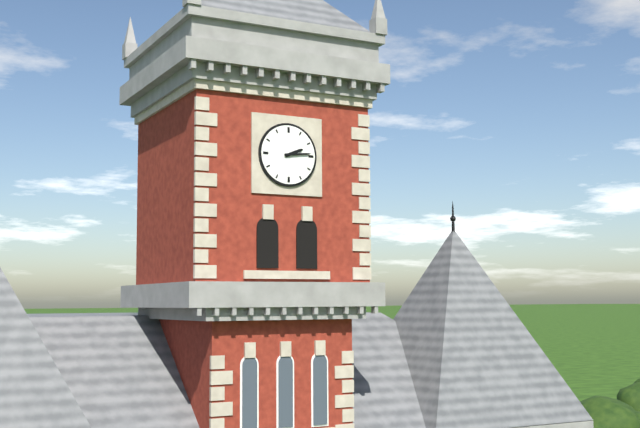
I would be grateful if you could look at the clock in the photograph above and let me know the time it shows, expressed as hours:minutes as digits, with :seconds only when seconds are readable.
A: 2:14
